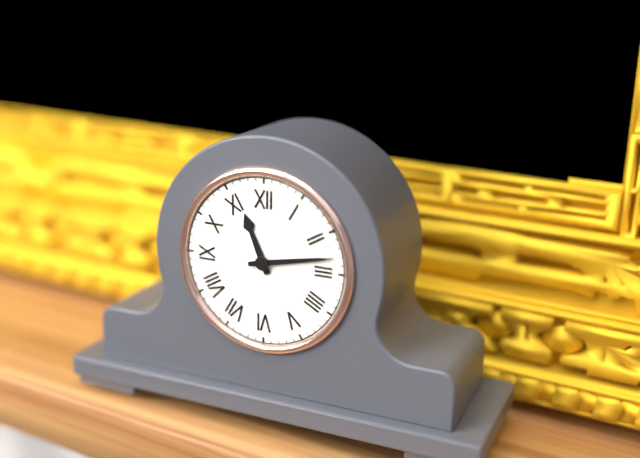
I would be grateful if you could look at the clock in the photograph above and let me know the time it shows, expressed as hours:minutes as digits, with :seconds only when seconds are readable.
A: 11:13
